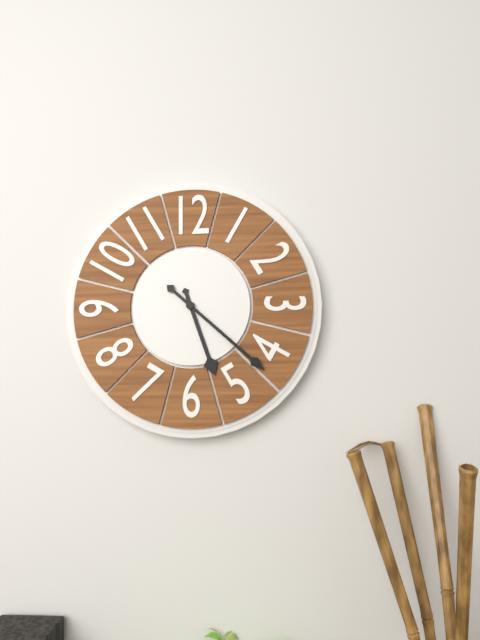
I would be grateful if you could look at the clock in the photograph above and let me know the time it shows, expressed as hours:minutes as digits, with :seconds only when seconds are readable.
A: 5:22
